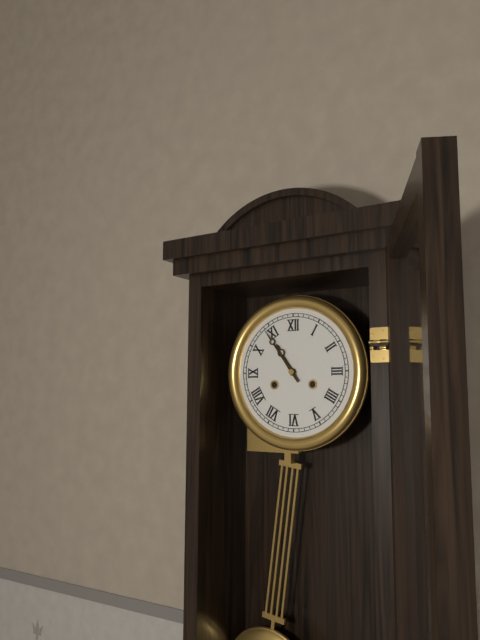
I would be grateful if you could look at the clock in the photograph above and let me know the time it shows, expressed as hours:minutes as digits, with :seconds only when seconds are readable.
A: 10:54
